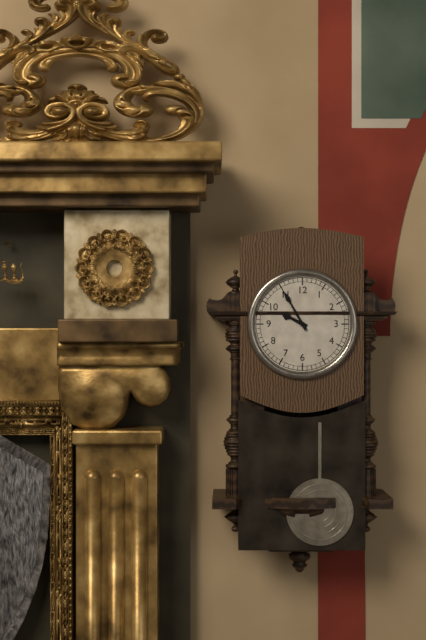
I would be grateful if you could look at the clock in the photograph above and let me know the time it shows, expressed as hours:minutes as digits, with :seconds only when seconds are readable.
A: 9:55
